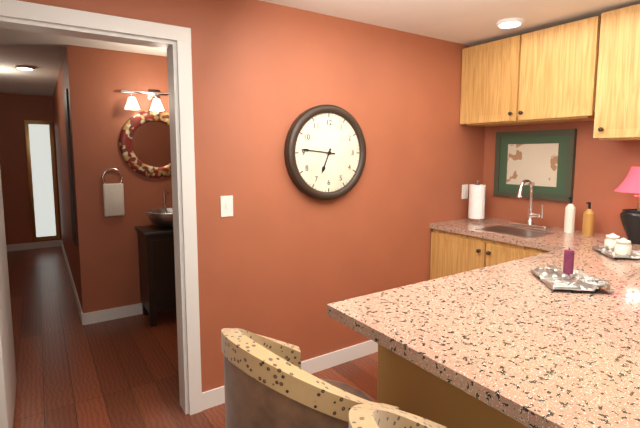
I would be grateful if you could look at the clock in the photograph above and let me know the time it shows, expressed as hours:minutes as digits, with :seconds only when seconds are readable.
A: 6:46
